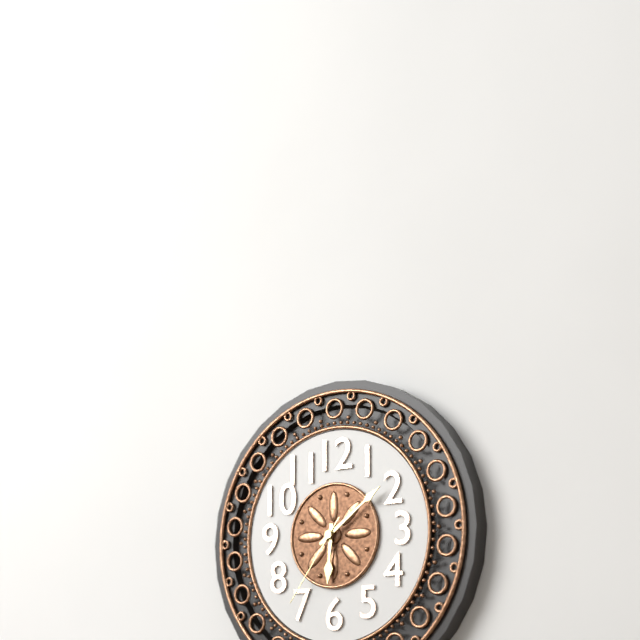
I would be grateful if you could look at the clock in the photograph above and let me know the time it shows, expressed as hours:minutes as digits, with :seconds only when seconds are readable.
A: 6:09:36
